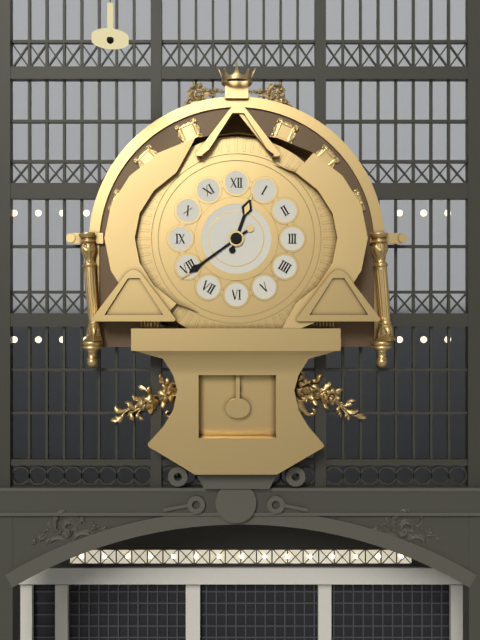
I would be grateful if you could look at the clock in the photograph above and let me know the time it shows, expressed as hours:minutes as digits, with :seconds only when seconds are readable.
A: 12:39
